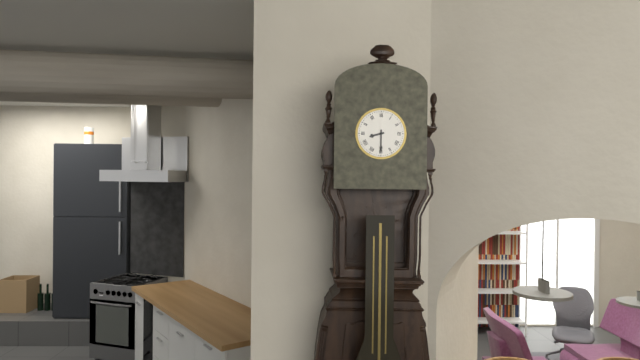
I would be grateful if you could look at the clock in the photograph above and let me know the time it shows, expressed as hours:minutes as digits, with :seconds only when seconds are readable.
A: 8:30
